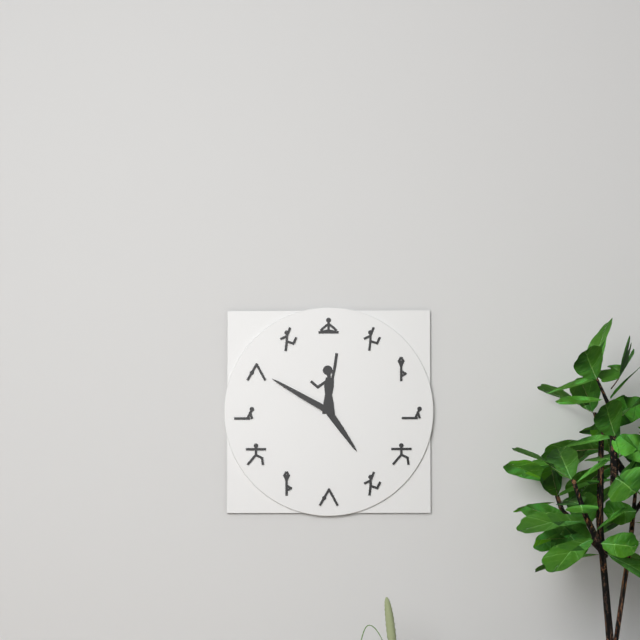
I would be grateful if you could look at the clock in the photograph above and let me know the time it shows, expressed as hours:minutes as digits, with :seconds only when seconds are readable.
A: 4:50
